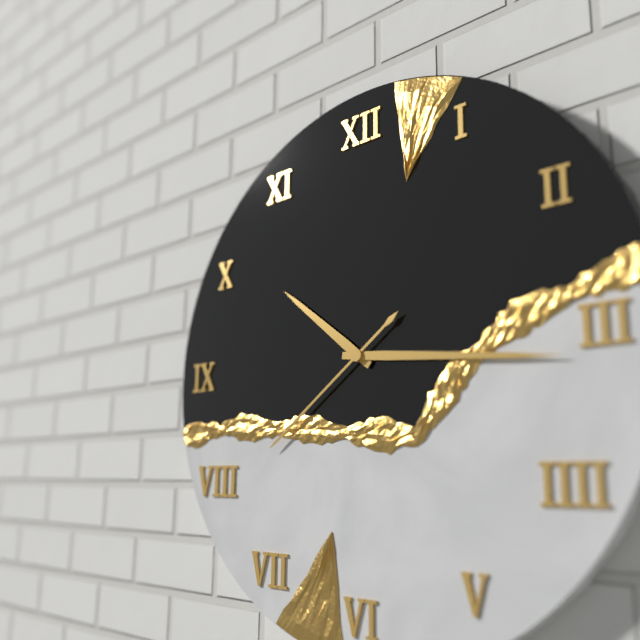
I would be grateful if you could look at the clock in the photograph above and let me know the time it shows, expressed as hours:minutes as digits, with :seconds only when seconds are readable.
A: 10:16:39
